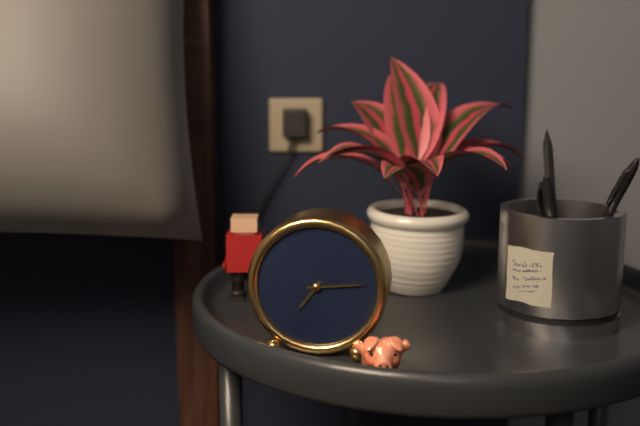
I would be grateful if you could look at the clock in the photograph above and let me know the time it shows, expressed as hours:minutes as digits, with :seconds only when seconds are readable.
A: 7:14
